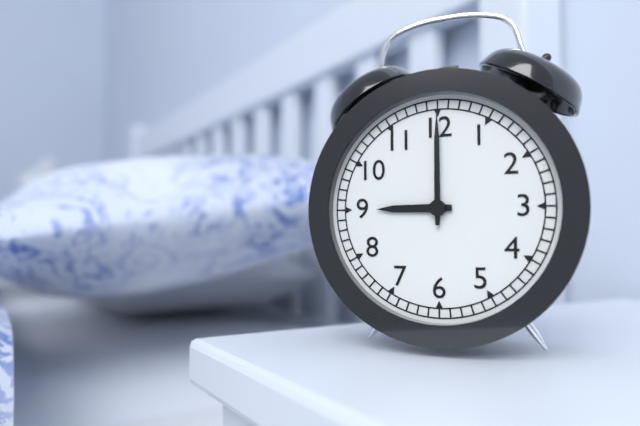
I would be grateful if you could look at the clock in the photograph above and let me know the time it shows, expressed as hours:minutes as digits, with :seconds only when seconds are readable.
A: 9:00
